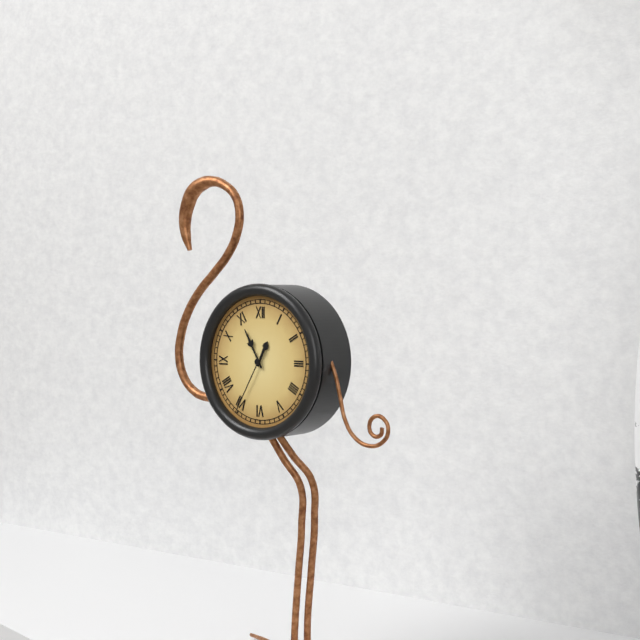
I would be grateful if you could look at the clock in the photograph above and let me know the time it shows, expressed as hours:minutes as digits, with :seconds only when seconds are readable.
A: 12:55:35
